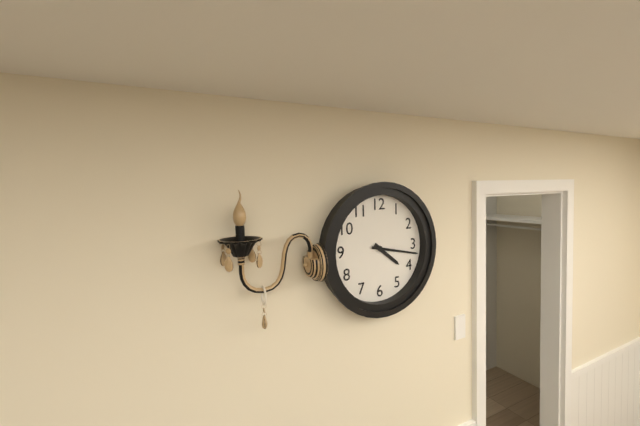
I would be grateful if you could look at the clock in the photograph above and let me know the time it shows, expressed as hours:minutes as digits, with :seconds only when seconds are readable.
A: 4:17
